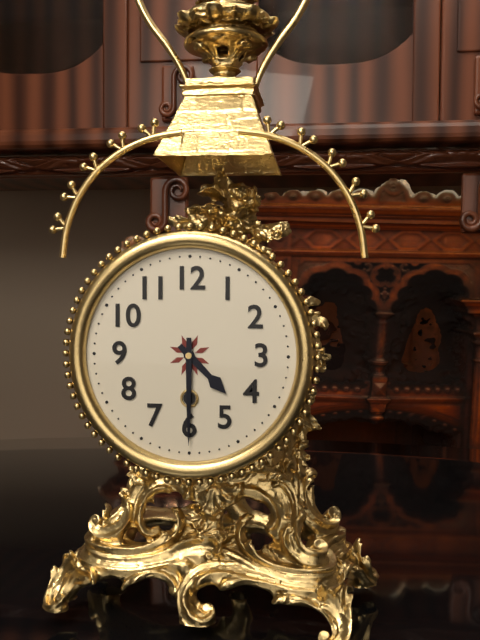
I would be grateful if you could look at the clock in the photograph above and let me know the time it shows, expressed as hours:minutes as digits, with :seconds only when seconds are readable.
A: 4:30
